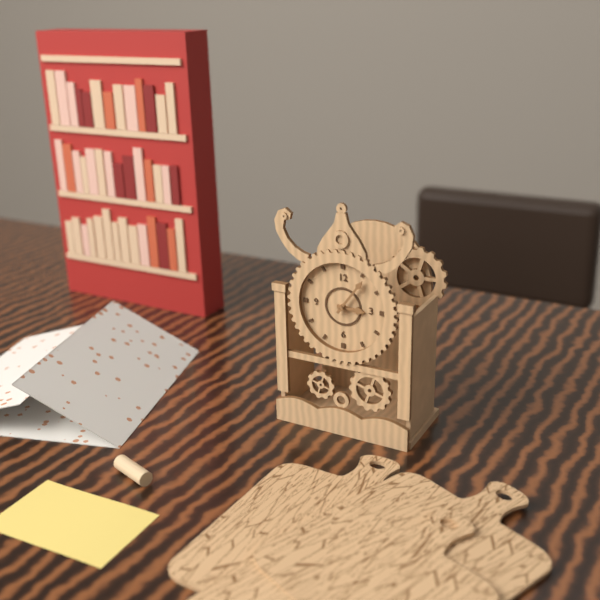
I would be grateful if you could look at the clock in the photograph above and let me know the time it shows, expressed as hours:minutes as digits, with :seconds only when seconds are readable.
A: 3:06
